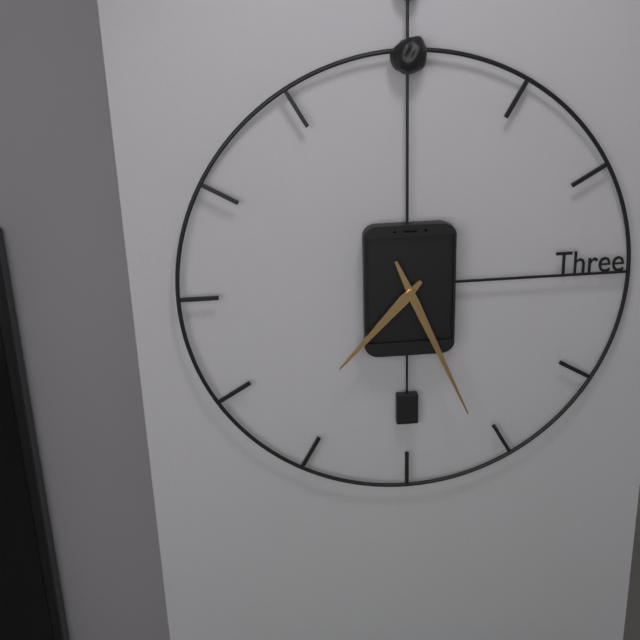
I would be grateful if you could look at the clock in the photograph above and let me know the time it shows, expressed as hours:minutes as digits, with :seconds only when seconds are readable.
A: 7:26
